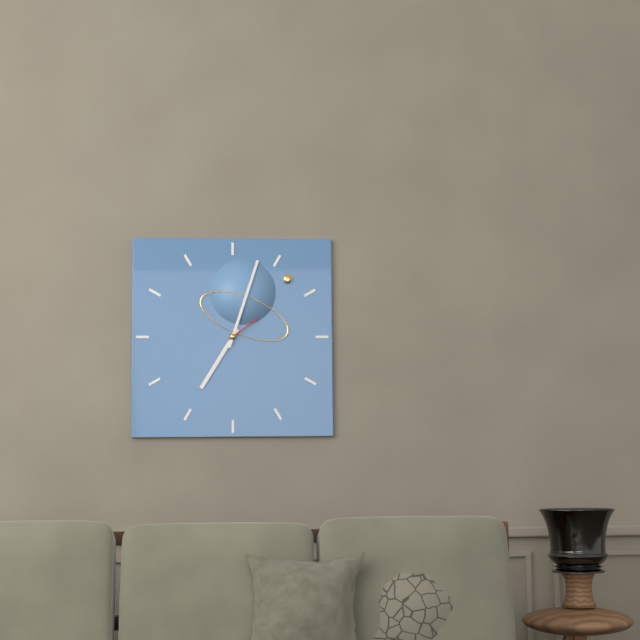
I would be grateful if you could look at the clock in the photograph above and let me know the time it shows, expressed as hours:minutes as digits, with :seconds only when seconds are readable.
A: 7:03
